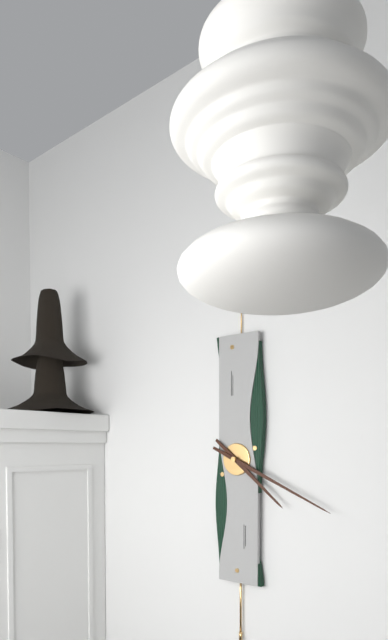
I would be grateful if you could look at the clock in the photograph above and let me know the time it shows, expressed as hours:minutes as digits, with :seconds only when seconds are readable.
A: 4:19
